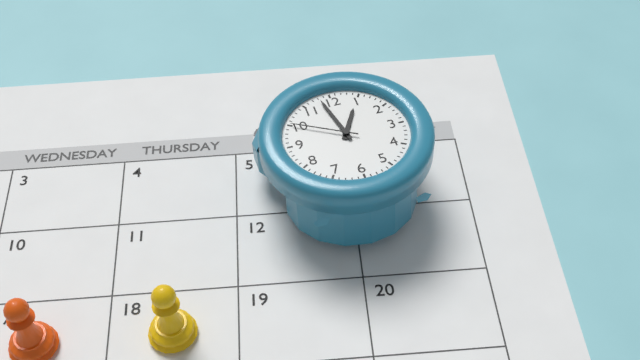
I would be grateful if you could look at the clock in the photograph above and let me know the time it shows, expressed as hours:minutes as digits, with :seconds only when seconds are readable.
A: 12:58:50
